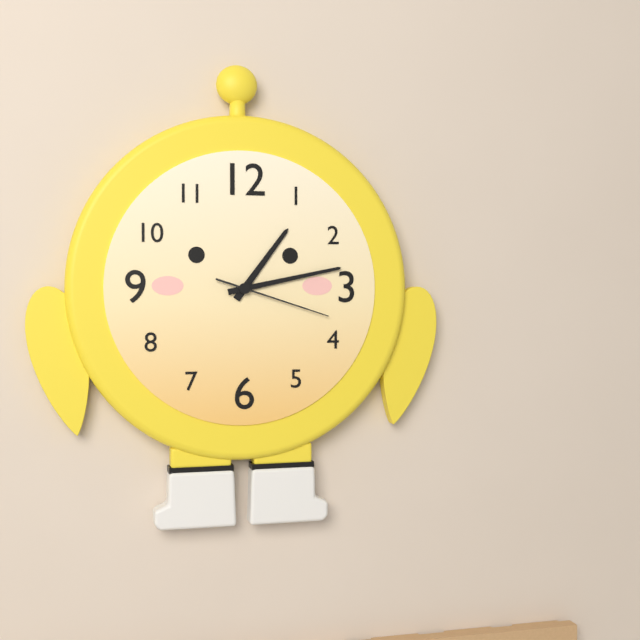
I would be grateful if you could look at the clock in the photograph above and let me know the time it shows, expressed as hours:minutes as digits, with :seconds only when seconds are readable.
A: 1:13:18
